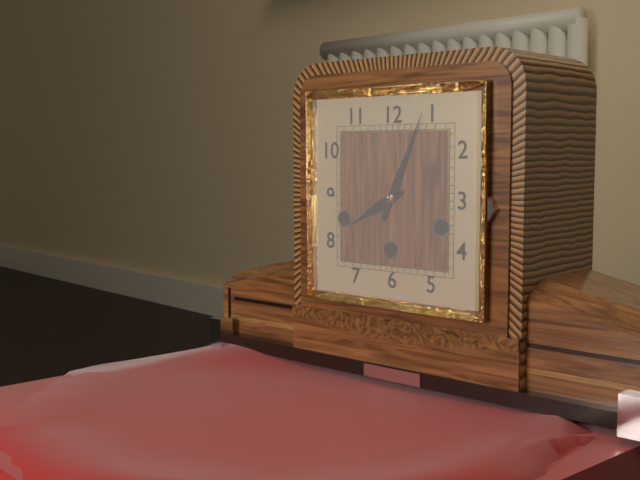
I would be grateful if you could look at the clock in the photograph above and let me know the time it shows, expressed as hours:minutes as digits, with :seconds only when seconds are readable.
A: 8:04
